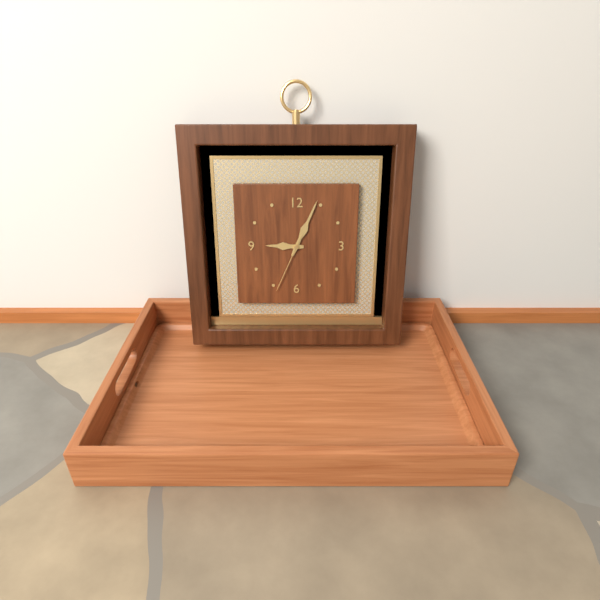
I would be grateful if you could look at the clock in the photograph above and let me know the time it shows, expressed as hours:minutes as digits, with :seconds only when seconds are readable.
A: 9:04:34
